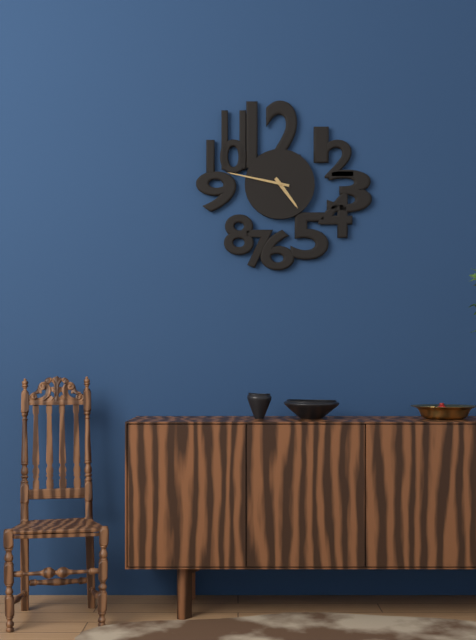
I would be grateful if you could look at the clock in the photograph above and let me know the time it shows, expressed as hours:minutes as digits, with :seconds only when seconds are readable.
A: 4:47
